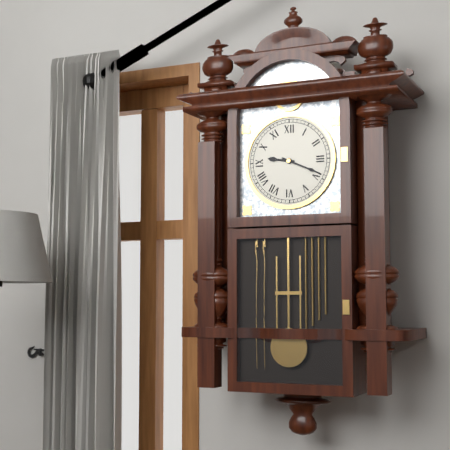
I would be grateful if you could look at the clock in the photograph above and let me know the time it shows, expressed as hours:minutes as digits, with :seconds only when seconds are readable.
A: 9:19
